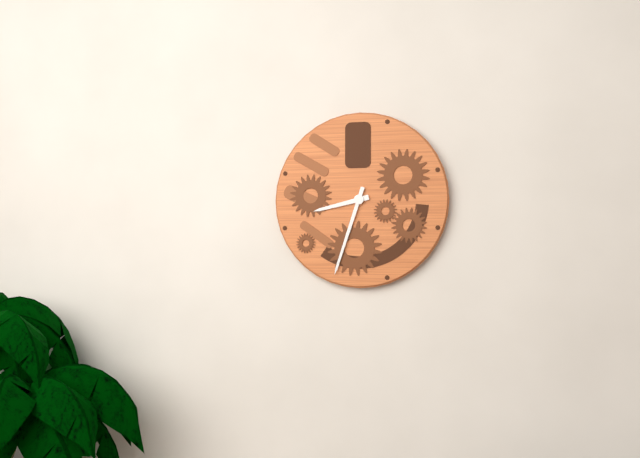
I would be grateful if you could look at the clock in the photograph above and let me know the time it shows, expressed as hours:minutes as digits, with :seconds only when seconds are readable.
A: 8:33
